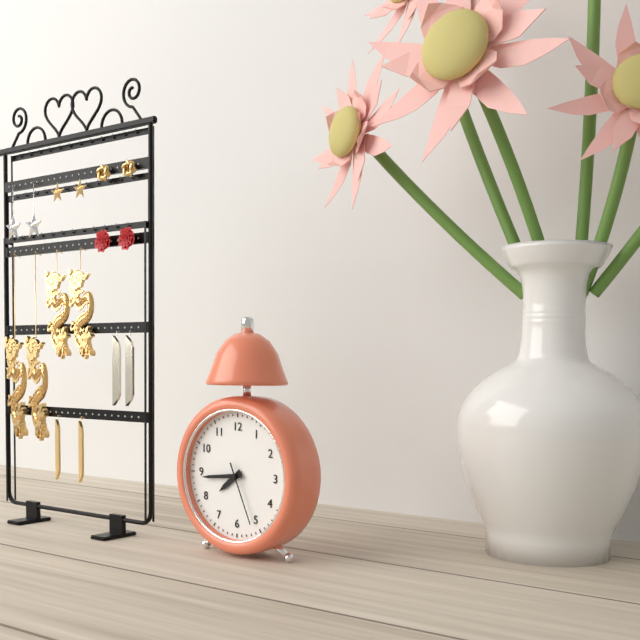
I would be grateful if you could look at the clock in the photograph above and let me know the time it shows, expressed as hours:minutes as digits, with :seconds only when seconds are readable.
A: 7:44:26
